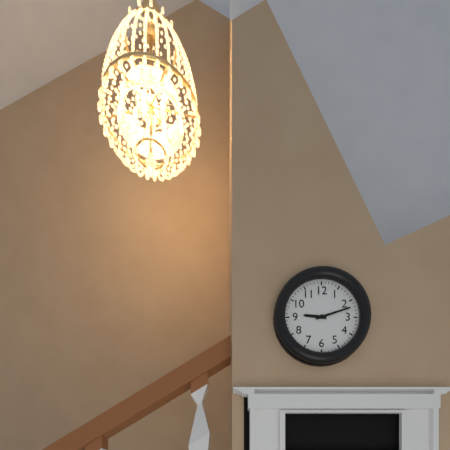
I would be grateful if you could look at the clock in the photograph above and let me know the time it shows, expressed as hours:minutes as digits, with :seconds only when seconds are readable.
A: 9:12
